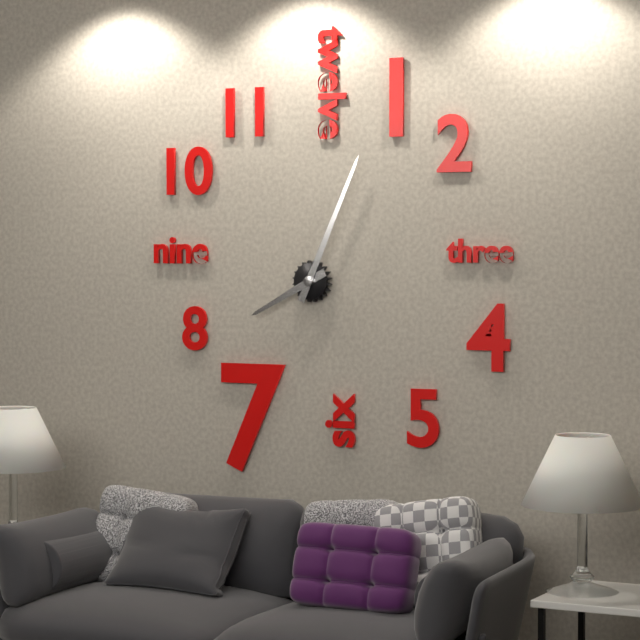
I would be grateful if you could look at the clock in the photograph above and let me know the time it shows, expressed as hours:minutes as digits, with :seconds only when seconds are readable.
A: 8:04
